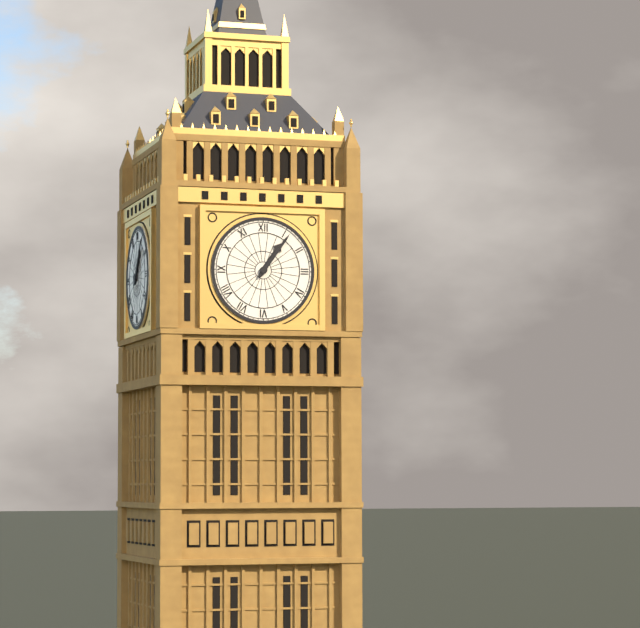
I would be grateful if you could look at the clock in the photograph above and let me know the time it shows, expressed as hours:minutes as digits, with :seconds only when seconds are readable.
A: 1:06
